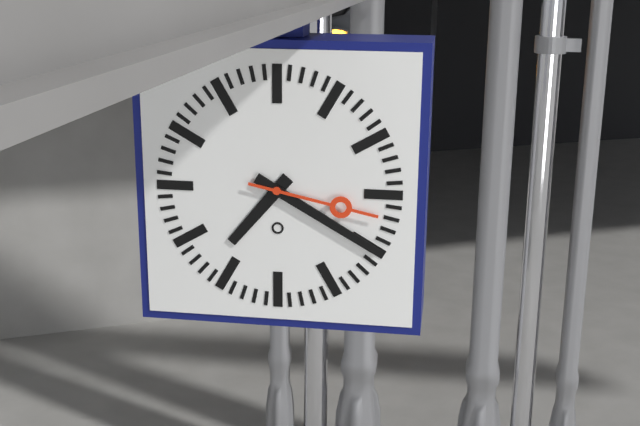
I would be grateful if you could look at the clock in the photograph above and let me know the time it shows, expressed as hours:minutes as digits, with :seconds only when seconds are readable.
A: 7:20:17
